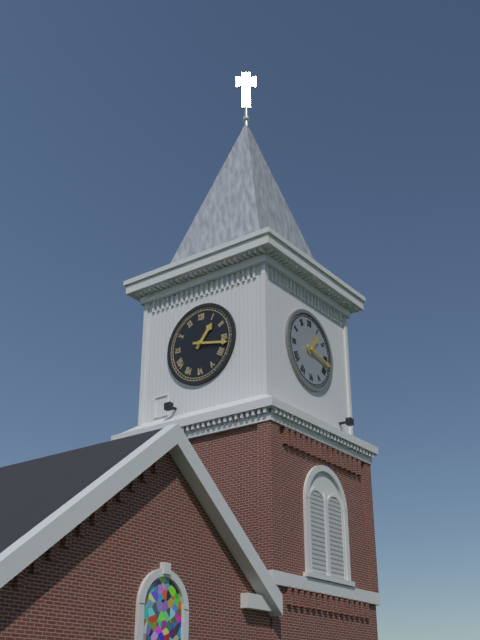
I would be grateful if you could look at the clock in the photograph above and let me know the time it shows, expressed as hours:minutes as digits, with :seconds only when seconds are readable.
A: 1:17
